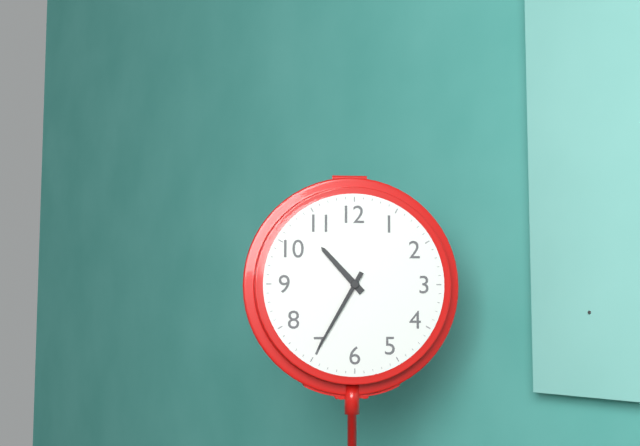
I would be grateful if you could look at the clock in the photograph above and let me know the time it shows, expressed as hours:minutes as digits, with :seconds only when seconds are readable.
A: 10:35
